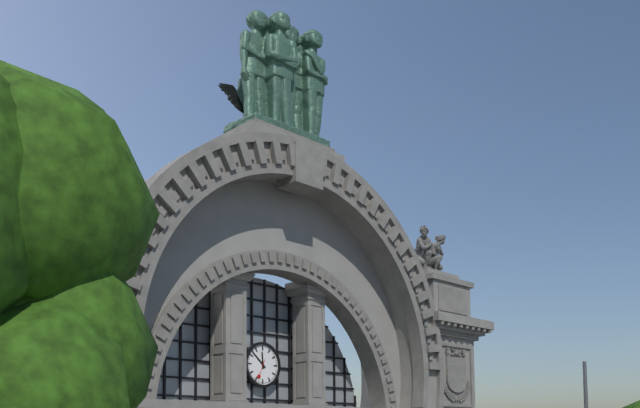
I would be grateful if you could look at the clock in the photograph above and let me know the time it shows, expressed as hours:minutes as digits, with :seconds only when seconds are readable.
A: 11:52
